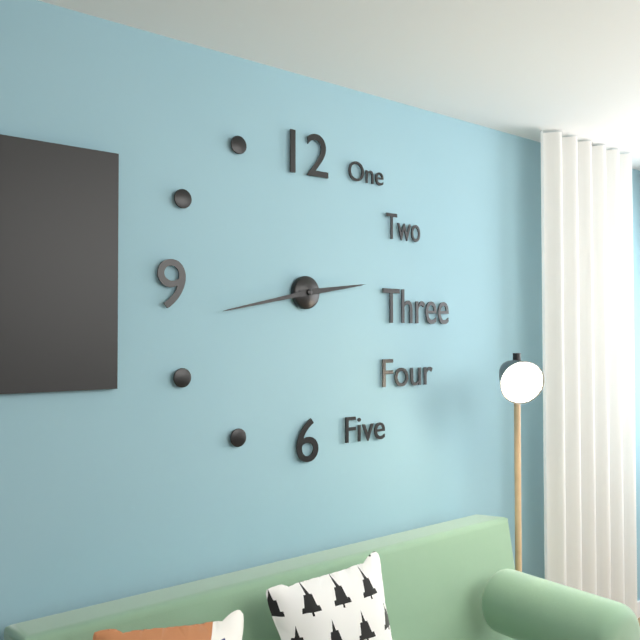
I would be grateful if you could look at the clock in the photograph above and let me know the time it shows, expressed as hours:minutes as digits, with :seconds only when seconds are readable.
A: 2:43
